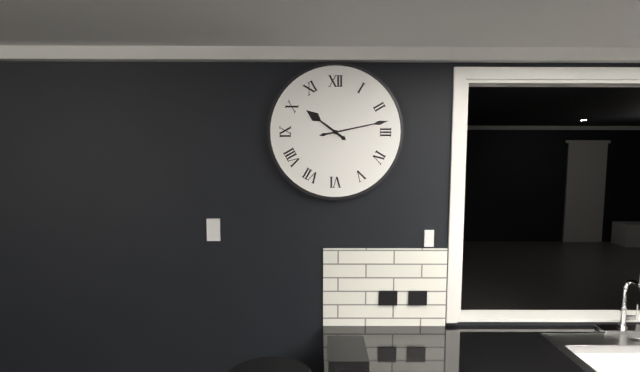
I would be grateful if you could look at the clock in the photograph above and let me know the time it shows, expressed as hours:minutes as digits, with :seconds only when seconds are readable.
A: 10:13
